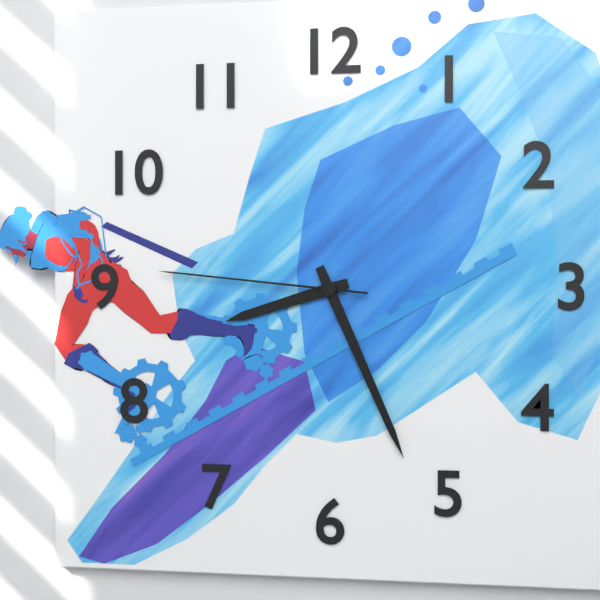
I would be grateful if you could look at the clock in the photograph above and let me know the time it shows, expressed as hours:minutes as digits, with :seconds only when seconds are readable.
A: 8:26:46
